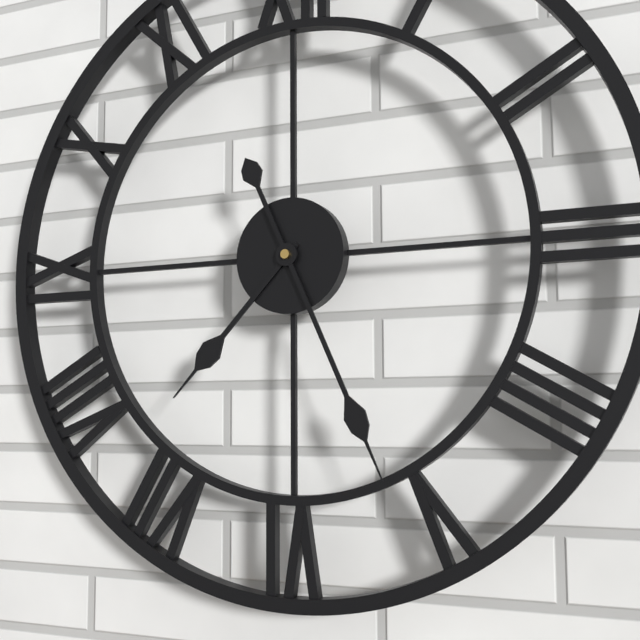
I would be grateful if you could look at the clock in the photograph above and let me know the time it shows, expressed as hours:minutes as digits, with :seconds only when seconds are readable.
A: 7:26
